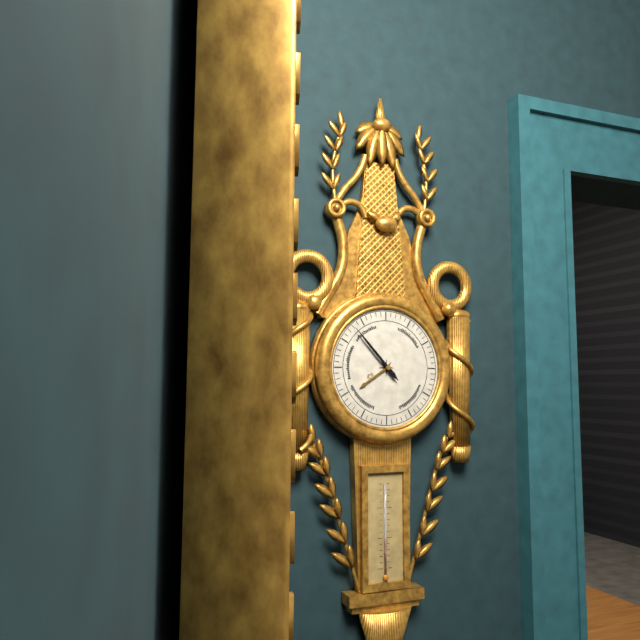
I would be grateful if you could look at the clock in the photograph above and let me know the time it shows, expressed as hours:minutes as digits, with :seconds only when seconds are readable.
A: 7:53
